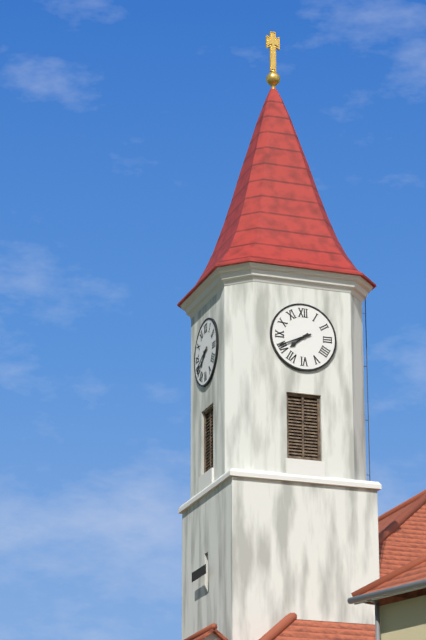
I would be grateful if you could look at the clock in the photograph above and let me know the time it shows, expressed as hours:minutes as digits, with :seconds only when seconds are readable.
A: 7:41
